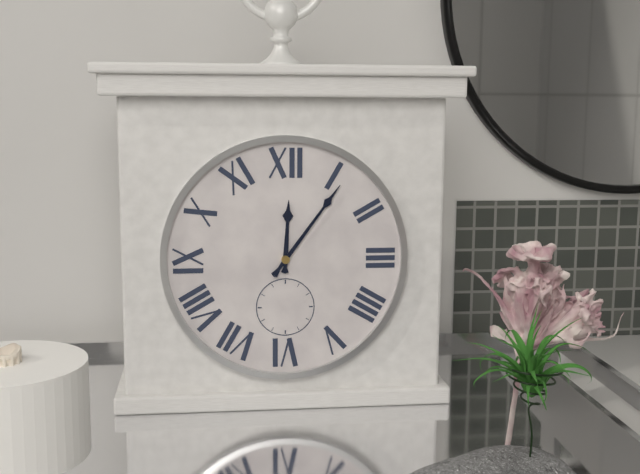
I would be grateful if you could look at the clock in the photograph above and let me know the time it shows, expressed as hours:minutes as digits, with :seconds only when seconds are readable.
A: 12:06
